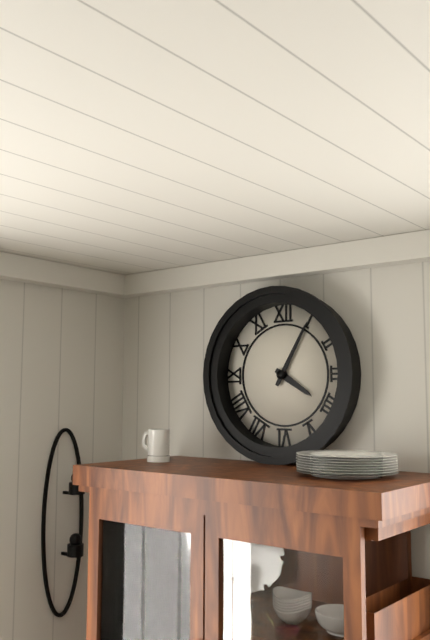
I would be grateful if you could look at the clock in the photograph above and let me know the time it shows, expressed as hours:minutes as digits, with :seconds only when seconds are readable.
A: 4:05
